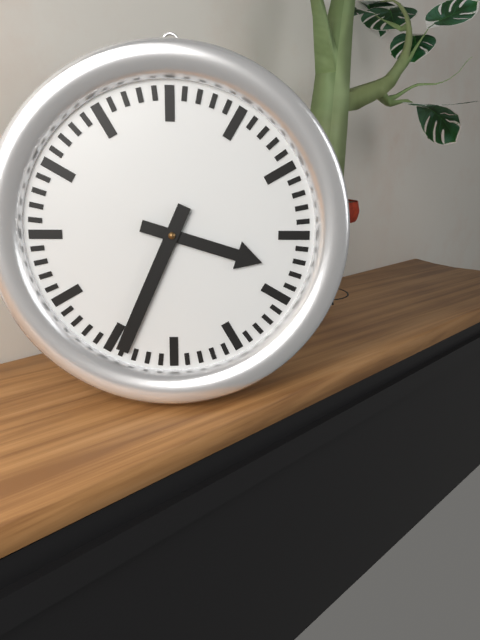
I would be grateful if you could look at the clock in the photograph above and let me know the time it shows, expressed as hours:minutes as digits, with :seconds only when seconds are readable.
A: 3:34
